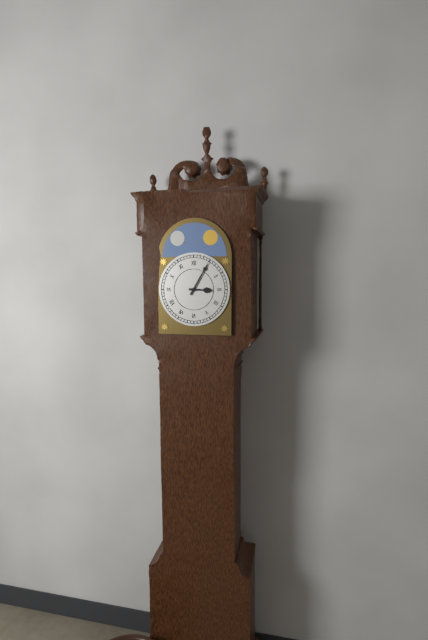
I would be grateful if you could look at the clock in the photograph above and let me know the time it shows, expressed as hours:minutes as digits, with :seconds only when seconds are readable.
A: 3:05
